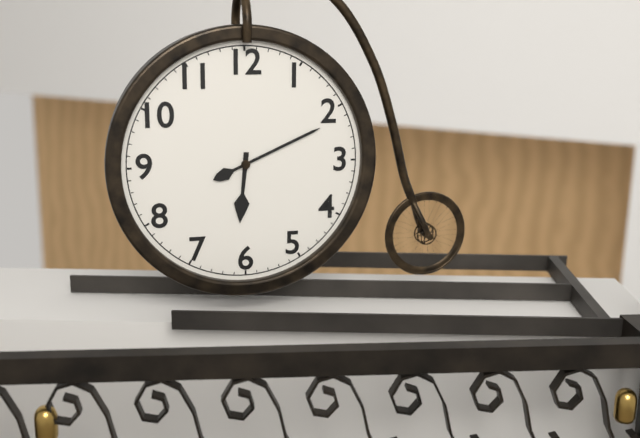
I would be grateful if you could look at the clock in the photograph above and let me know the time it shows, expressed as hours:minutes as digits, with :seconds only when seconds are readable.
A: 6:11
